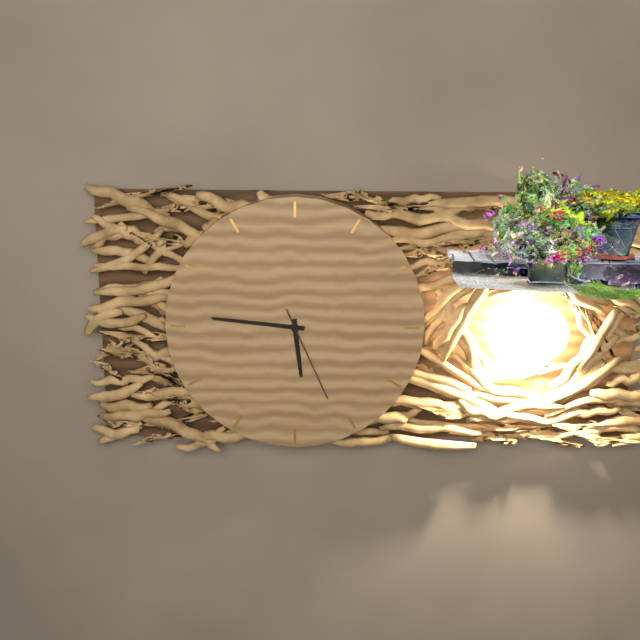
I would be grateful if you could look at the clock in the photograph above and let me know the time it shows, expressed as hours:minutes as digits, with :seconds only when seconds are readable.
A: 5:46:26
